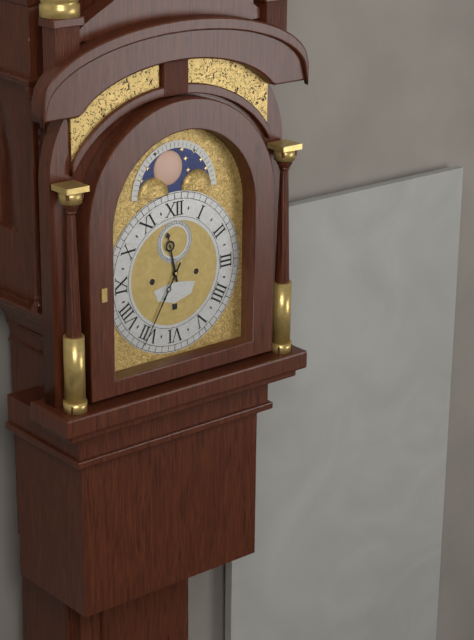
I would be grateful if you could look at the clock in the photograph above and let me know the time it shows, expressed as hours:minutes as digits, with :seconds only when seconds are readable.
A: 11:35
